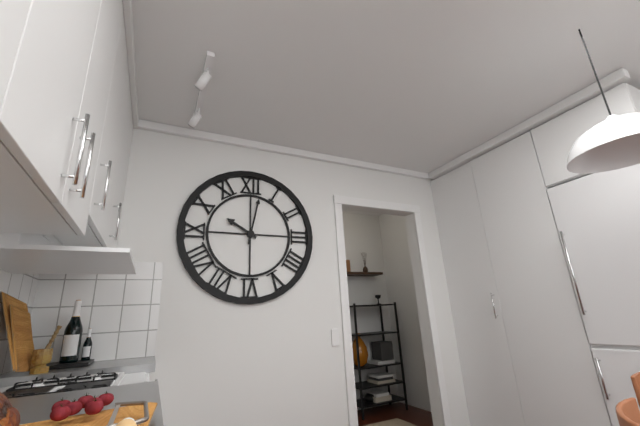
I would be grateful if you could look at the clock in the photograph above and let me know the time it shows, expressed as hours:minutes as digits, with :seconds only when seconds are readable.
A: 10:02
